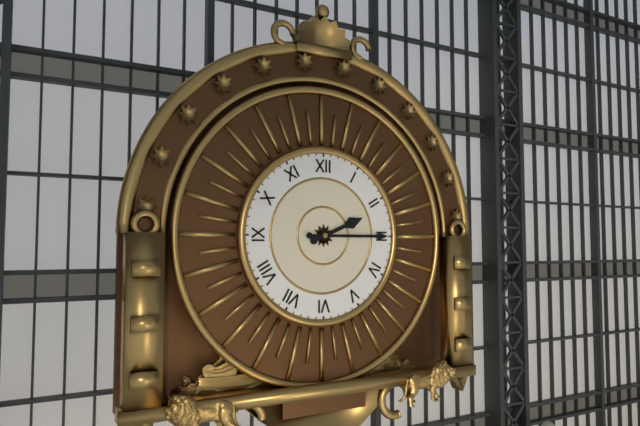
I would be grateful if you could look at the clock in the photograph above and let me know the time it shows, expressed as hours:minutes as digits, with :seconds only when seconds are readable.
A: 2:15
